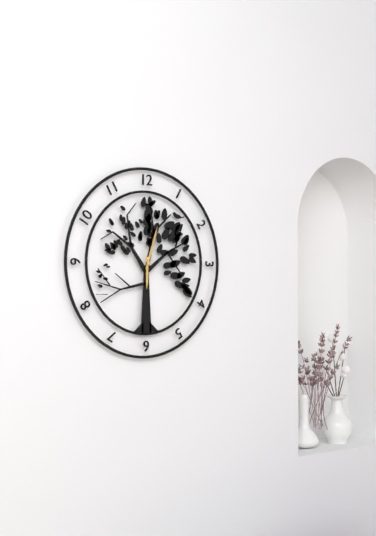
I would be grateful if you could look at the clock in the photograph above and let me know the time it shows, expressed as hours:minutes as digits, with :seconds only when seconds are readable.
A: 6:03
